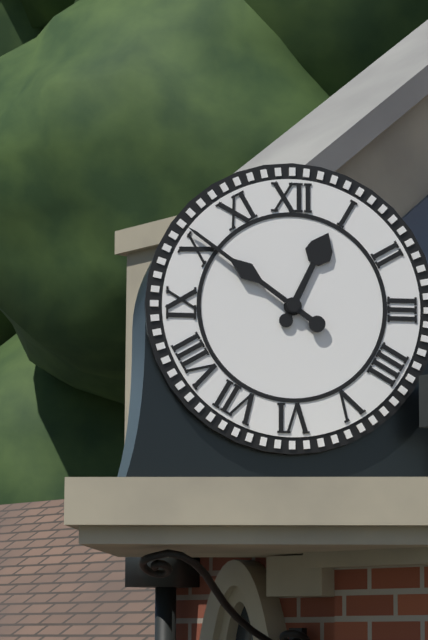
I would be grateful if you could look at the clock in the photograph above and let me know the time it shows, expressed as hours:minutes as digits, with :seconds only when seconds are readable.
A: 12:51
